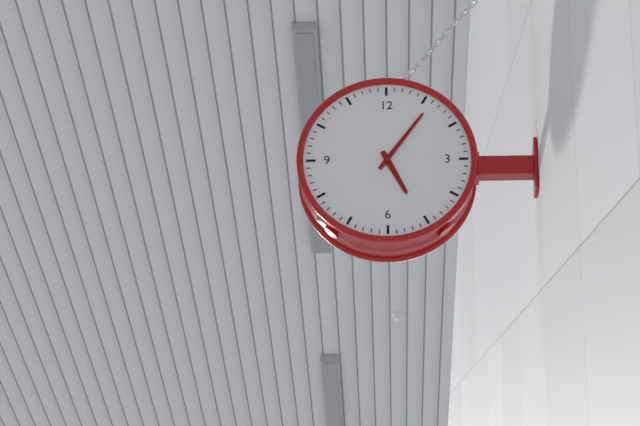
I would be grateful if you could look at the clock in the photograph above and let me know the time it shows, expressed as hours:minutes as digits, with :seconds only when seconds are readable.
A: 5:06
